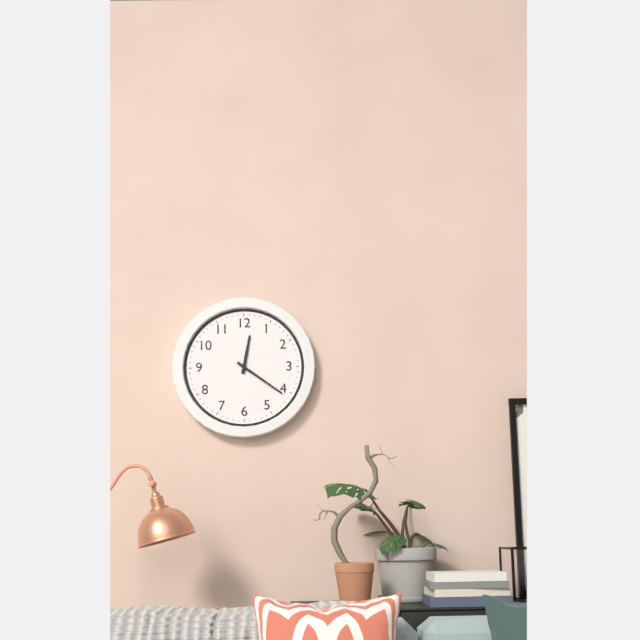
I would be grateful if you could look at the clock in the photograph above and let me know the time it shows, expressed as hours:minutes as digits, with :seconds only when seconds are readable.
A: 12:21
